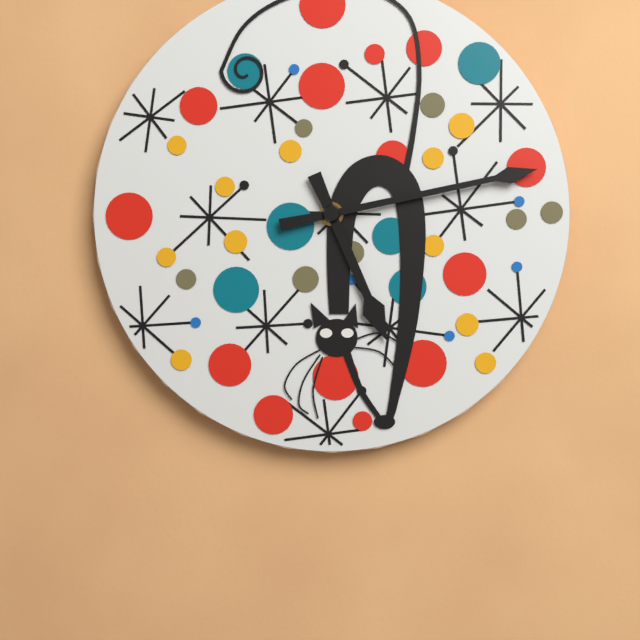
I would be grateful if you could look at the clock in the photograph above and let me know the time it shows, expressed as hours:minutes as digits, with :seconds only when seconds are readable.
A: 5:13
